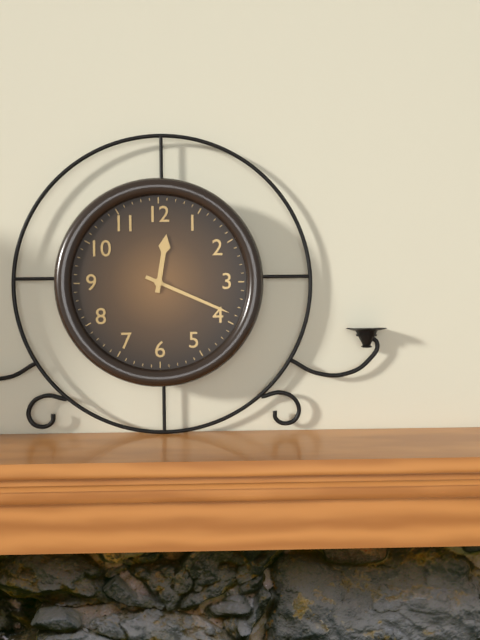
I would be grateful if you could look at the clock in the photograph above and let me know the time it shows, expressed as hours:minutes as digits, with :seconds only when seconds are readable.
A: 12:19
